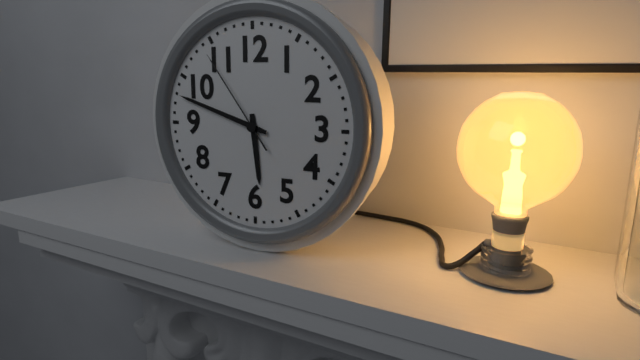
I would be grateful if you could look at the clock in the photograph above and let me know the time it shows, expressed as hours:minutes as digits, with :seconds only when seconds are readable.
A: 5:48:54
